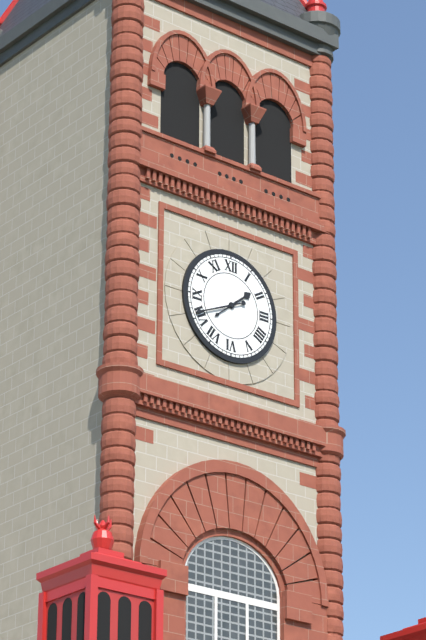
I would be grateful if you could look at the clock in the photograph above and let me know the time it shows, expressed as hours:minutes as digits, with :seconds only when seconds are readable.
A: 1:41
